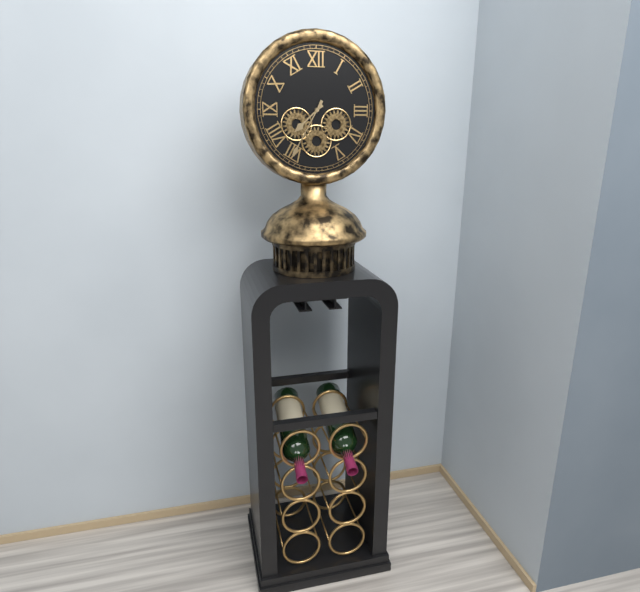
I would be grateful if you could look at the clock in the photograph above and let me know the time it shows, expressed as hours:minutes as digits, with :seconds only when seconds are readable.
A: 7:35
